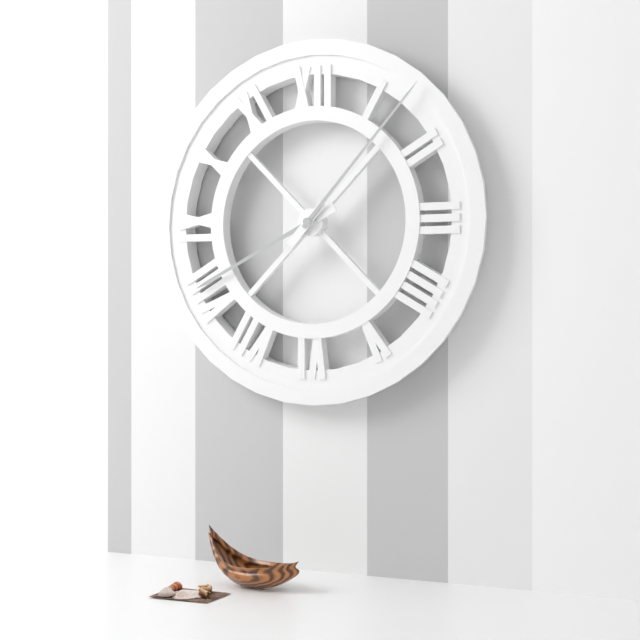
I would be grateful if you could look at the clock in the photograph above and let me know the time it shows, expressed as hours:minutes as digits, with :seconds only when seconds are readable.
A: 8:07
